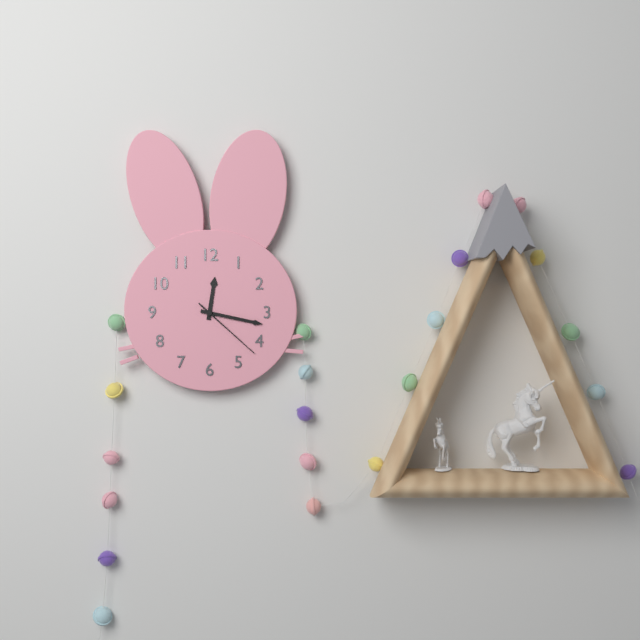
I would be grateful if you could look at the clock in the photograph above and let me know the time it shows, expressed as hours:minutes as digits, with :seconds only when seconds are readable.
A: 12:17:22
